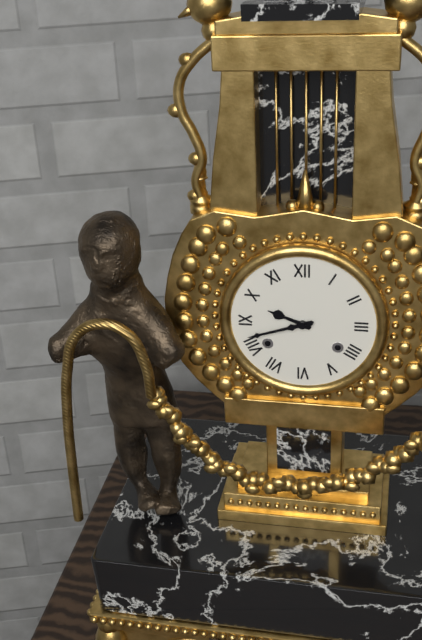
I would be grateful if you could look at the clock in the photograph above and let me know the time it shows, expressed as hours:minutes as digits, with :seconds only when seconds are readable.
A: 9:42
